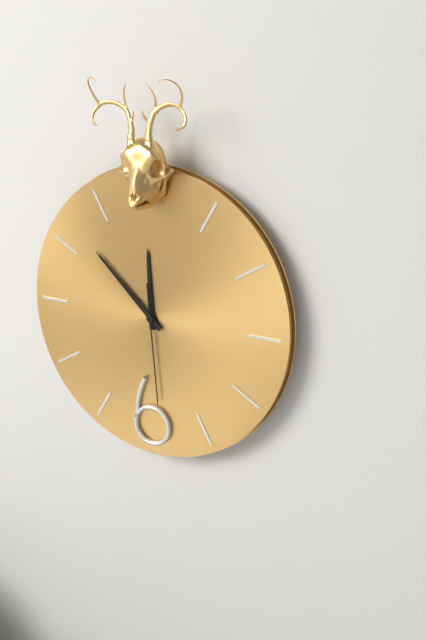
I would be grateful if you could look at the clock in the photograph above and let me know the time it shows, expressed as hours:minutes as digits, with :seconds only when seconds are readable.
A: 11:52:29
